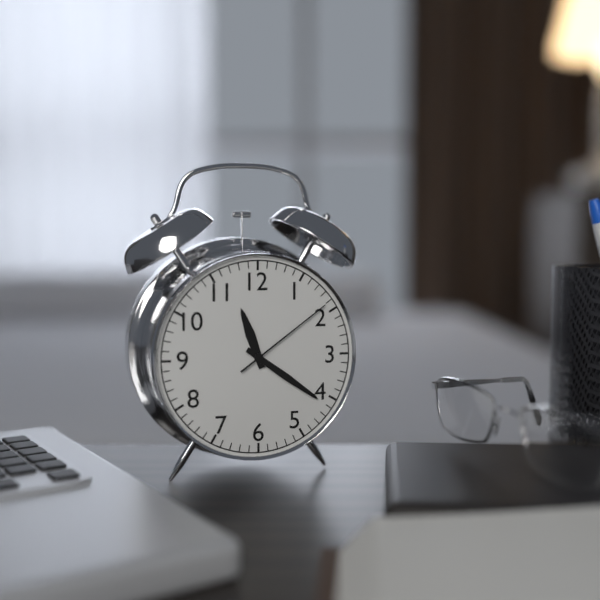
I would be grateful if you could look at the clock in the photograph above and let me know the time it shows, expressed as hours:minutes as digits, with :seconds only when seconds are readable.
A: 11:21:09
